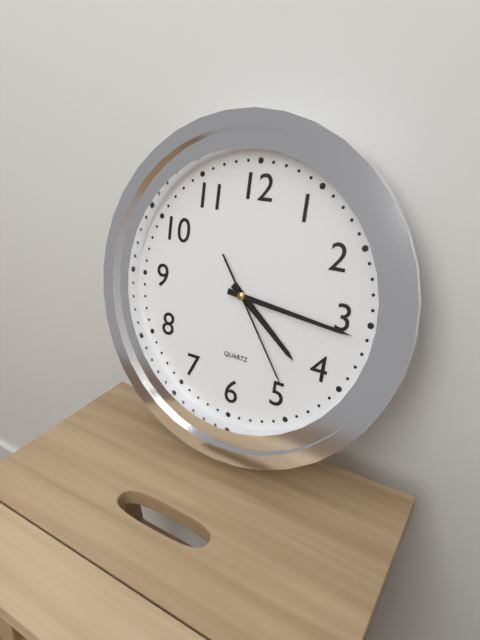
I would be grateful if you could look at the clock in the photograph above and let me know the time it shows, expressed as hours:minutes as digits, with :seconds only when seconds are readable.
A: 4:16:24
